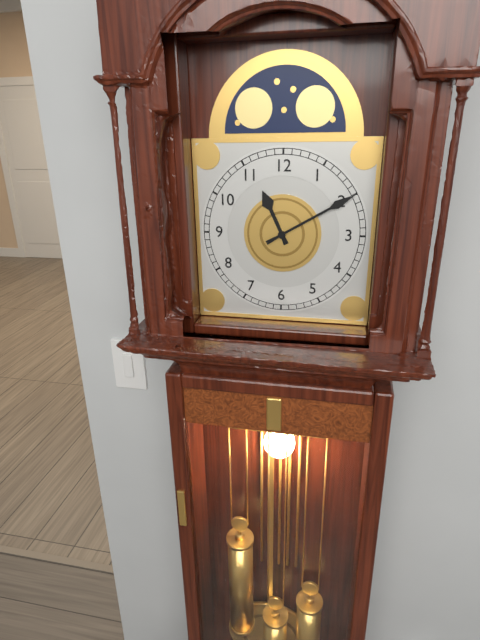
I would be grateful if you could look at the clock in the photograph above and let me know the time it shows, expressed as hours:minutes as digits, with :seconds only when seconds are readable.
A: 11:10
